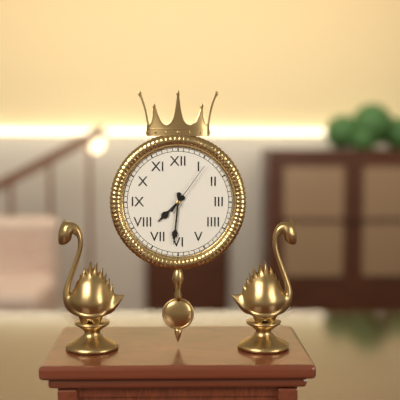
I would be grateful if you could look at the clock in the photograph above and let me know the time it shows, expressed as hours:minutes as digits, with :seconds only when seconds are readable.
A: 7:31:06
